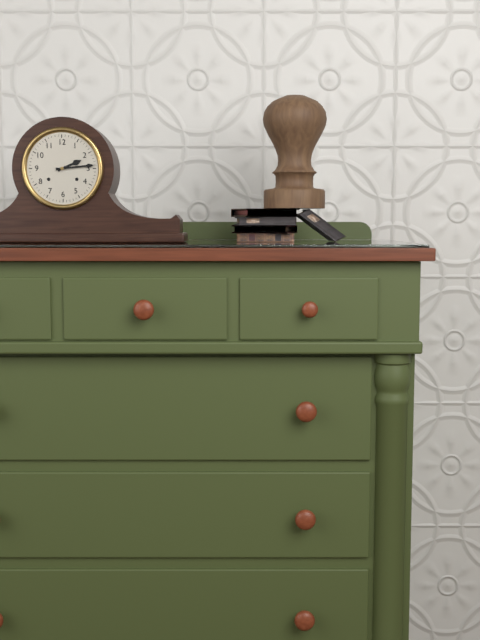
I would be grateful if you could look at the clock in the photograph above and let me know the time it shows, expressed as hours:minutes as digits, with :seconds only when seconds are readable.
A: 2:14
